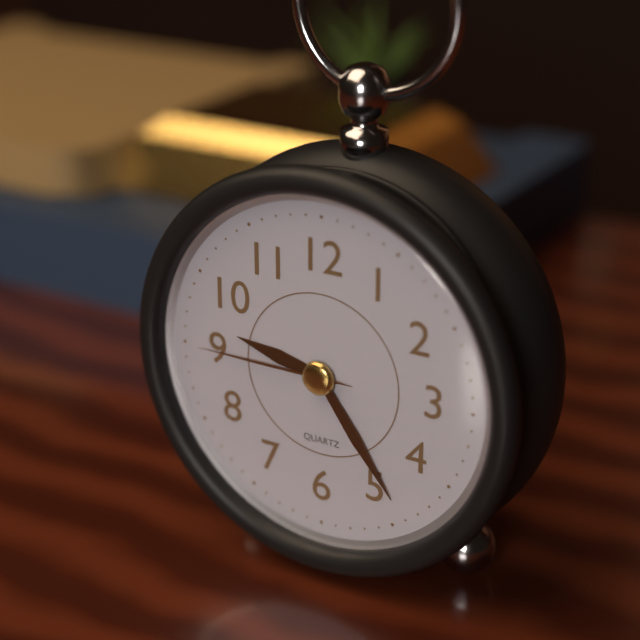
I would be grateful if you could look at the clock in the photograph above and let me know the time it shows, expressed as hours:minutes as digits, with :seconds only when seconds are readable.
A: 9:24:45
